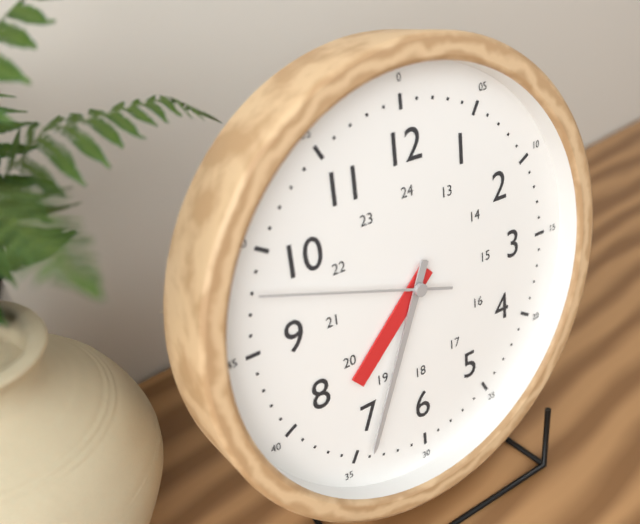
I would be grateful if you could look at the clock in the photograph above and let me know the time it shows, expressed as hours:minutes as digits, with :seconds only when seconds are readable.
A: 7:34:48
